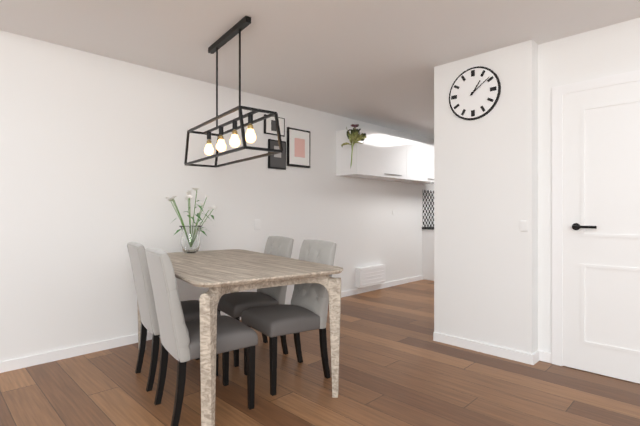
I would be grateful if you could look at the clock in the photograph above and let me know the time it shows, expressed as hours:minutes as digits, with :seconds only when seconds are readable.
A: 1:09
